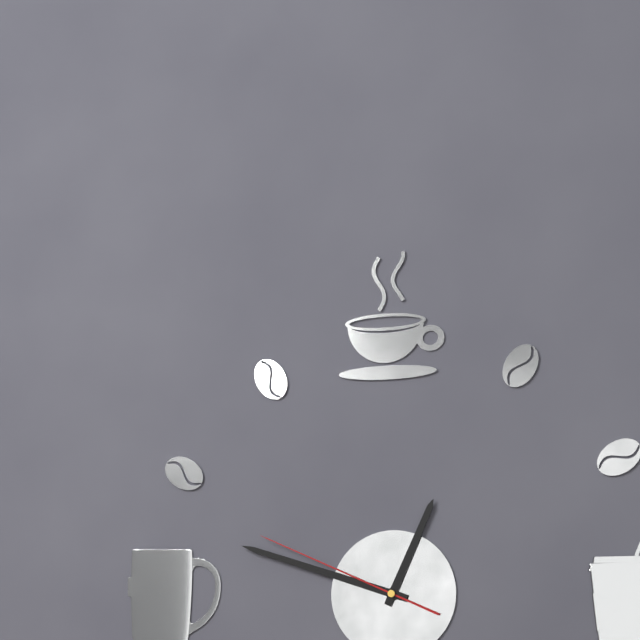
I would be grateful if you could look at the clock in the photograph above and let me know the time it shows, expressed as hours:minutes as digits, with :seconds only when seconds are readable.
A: 12:48:49
